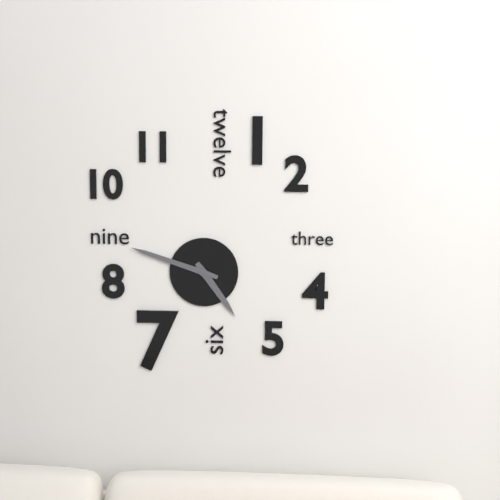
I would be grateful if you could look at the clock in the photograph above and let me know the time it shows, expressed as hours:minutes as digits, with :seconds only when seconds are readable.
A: 4:48
